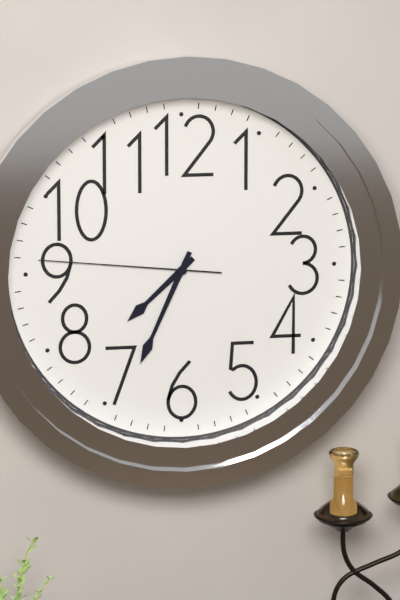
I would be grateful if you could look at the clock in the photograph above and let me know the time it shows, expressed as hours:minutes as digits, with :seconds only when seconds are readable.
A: 7:34:46
